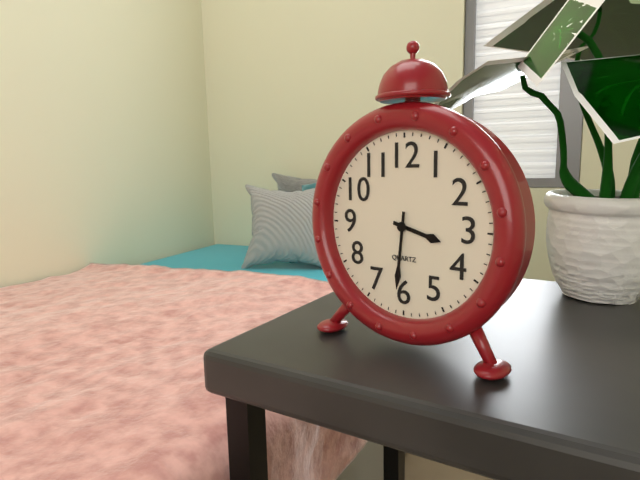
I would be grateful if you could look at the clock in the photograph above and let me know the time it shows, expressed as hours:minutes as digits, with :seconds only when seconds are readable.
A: 3:31
